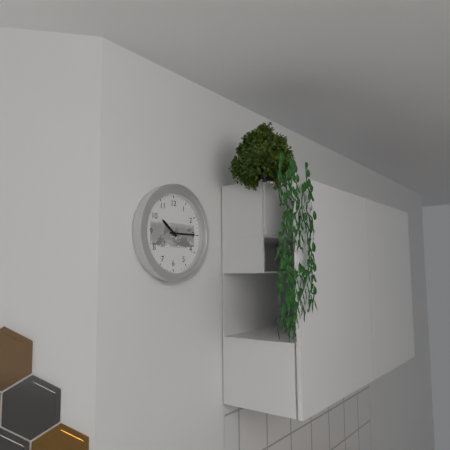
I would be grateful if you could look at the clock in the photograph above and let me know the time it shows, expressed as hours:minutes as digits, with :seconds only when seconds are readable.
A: 10:15
